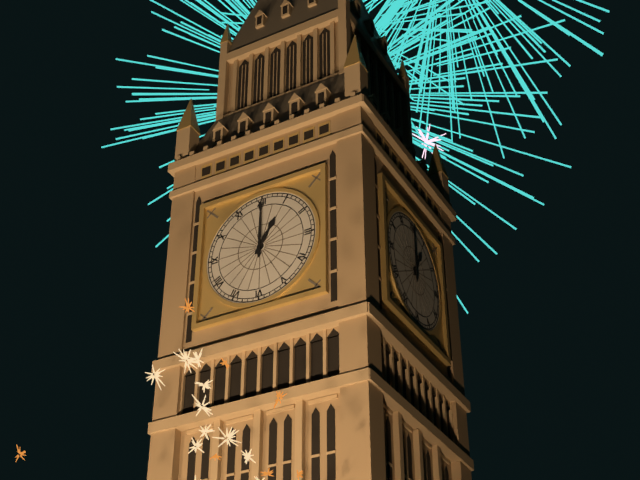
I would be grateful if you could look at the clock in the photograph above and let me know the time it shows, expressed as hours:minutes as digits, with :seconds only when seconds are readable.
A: 1:00
